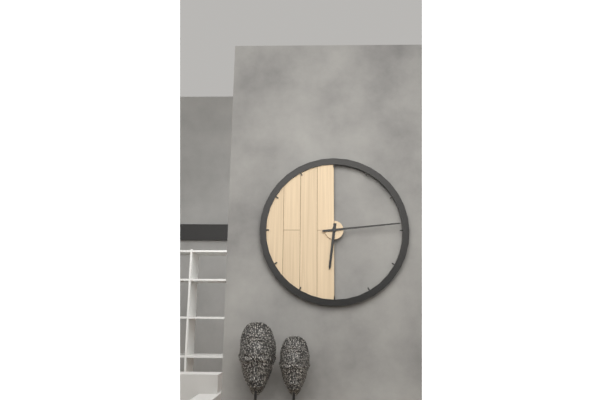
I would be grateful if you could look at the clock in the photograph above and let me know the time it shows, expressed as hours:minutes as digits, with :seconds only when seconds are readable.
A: 6:14
